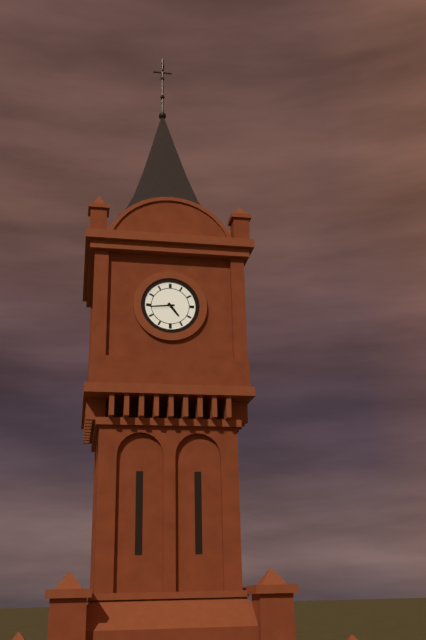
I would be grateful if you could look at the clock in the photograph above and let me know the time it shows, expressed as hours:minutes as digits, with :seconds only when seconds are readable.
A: 4:44
